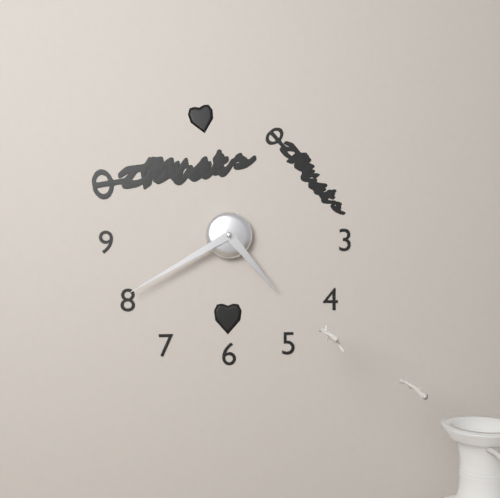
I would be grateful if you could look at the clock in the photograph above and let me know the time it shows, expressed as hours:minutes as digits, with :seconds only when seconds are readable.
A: 4:40
